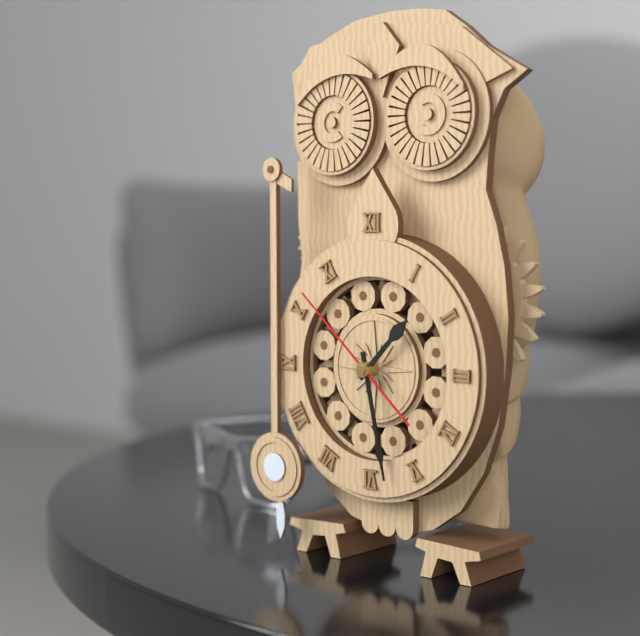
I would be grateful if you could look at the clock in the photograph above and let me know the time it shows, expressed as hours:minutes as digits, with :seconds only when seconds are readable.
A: 1:28:52
